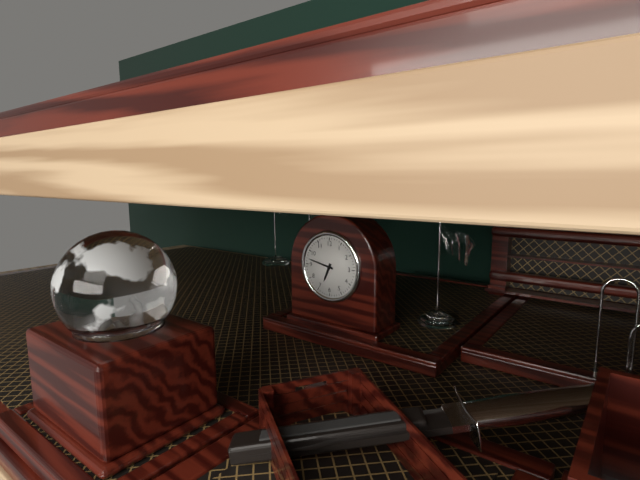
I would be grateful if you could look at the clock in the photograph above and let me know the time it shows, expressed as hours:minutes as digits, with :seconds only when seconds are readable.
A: 6:47
